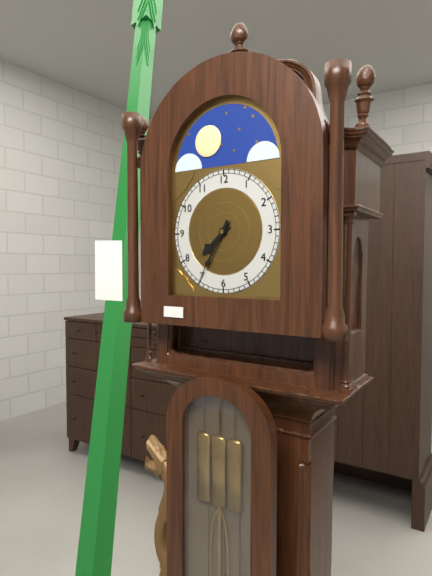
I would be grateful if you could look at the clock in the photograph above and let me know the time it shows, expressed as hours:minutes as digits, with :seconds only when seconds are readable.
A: 7:35
